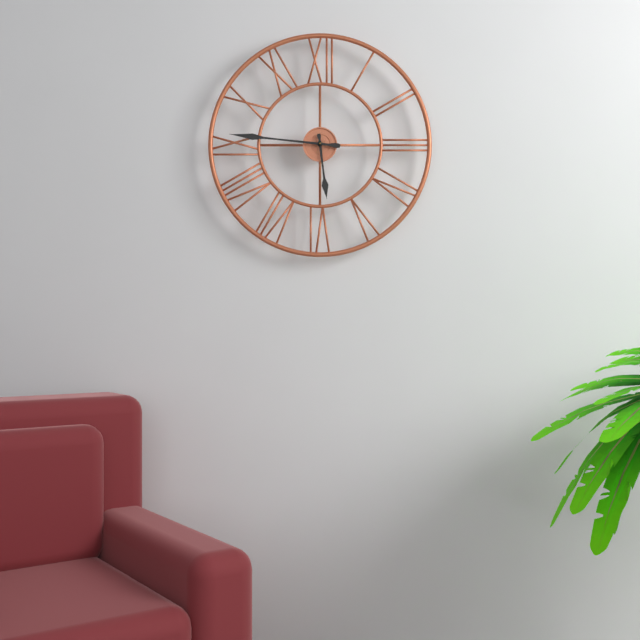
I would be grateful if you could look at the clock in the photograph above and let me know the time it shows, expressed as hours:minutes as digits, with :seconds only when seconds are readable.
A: 5:46
